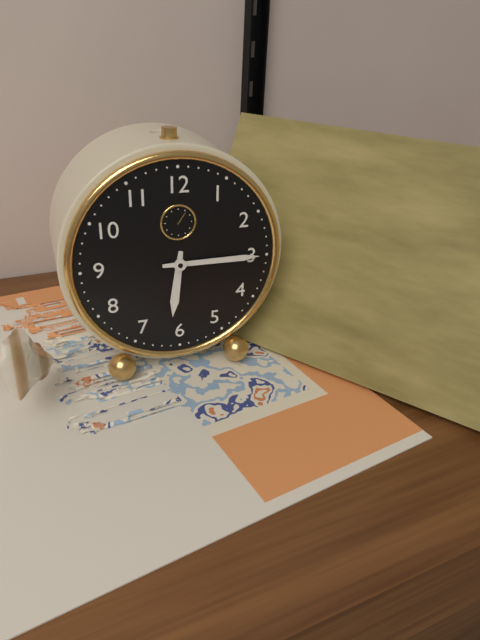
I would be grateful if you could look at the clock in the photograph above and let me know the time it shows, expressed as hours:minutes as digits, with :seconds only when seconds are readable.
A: 6:15
